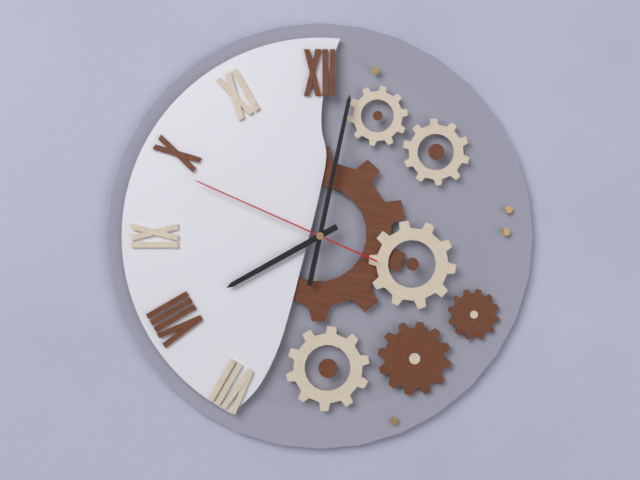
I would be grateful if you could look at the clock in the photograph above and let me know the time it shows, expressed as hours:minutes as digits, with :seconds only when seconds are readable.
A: 8:02:49
